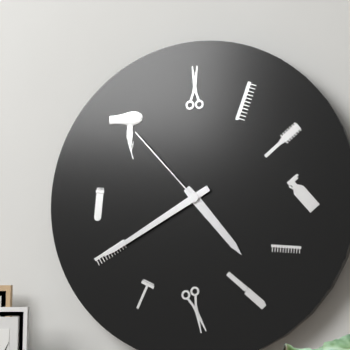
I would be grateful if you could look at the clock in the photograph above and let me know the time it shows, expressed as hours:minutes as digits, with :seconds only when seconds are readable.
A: 4:40:53
